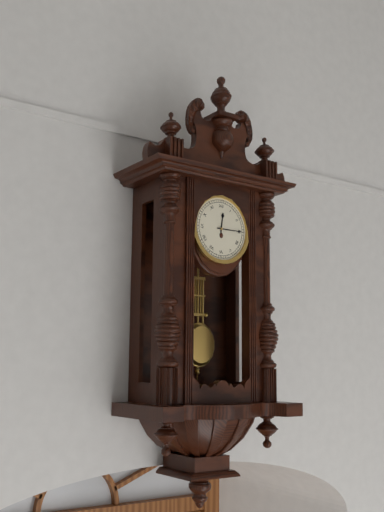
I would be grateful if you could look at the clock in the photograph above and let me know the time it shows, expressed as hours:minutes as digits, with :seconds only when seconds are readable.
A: 12:15
